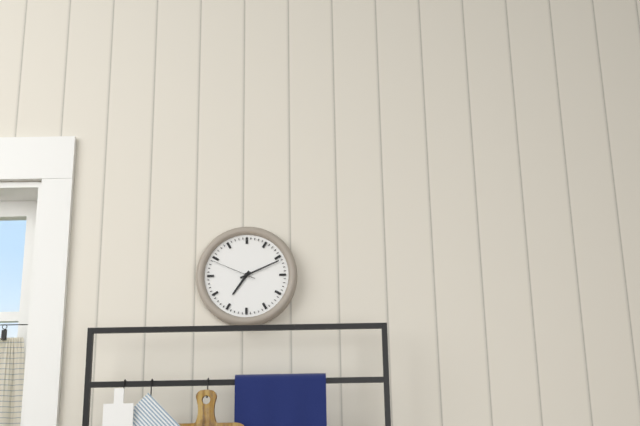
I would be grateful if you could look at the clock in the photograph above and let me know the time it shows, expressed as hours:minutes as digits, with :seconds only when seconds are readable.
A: 7:11
